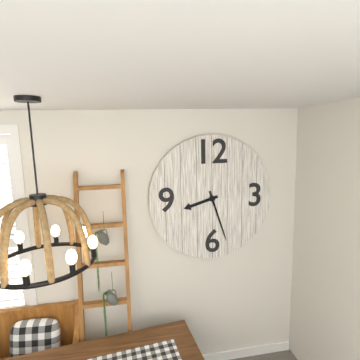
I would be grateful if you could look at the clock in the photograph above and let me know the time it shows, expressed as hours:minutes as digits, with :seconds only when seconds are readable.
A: 8:27
